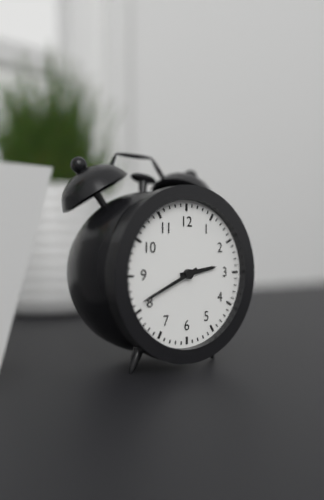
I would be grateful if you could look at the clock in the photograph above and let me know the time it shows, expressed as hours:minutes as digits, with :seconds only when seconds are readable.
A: 2:41
